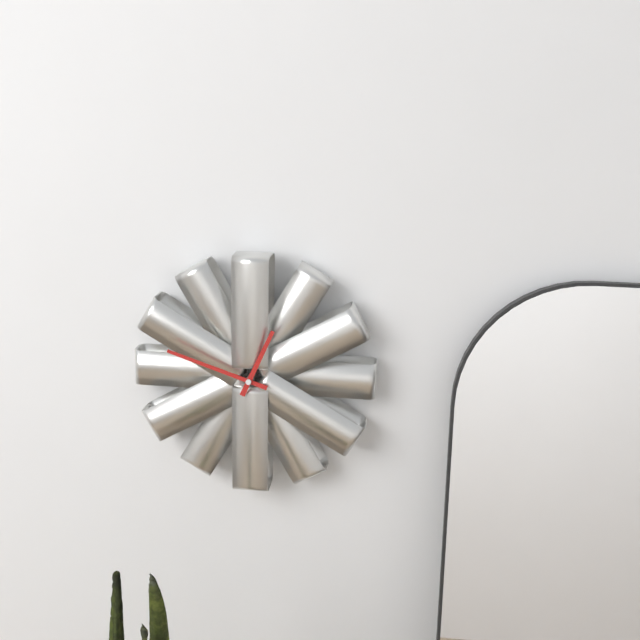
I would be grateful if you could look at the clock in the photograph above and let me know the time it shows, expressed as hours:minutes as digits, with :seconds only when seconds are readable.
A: 12:48
